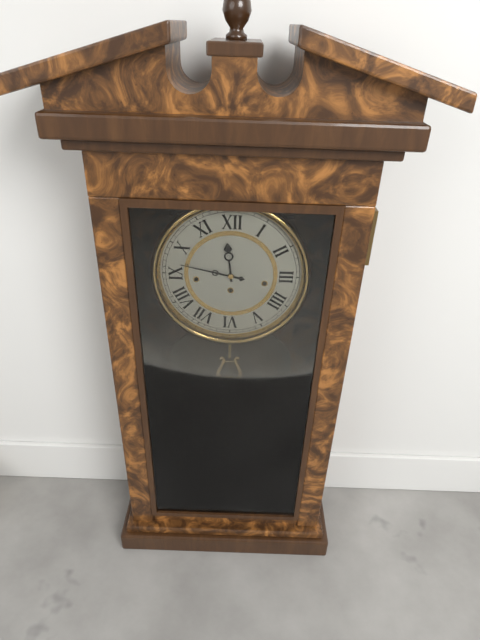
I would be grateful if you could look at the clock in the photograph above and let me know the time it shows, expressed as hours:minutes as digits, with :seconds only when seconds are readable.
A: 11:47
